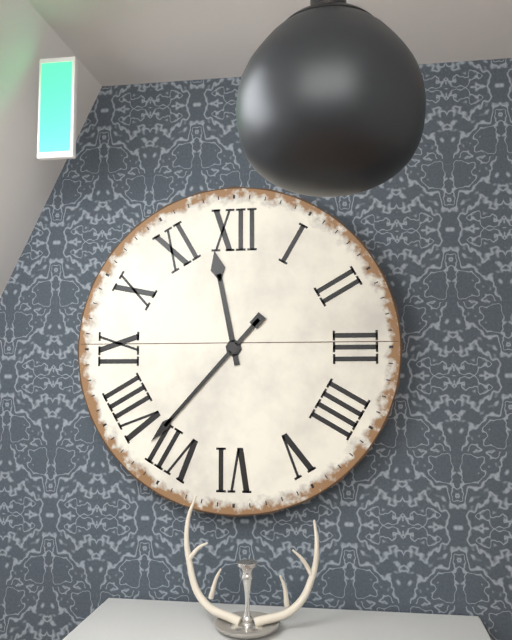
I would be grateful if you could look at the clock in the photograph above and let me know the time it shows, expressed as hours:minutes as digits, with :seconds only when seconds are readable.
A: 11:37
